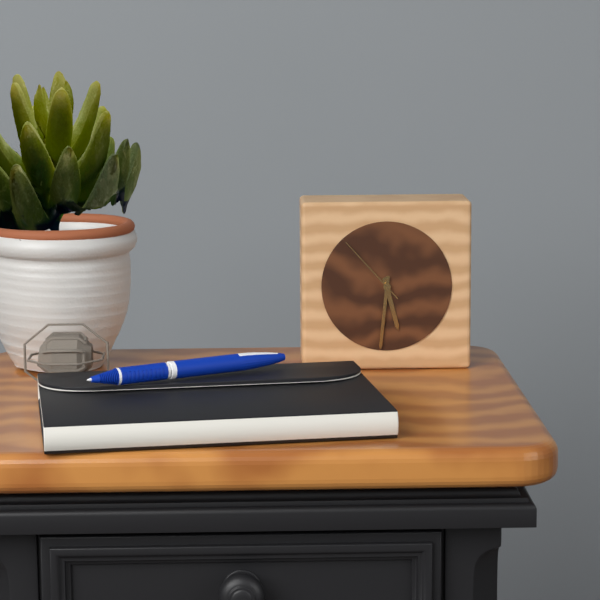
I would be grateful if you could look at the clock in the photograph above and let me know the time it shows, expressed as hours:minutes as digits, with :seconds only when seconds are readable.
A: 5:31:53
